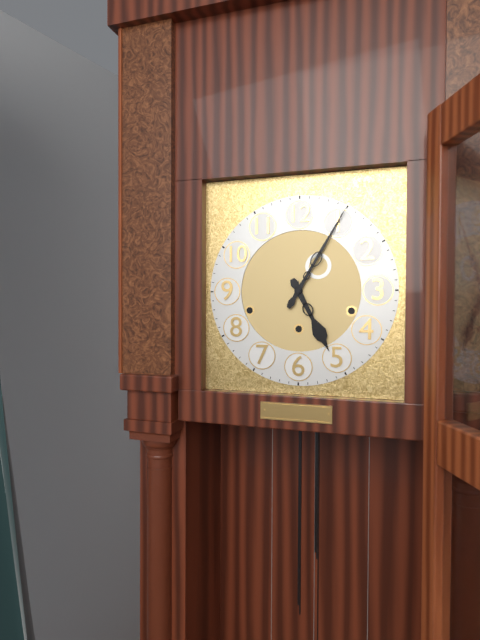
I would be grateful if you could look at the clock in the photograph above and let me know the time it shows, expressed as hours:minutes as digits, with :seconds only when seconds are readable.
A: 5:05
